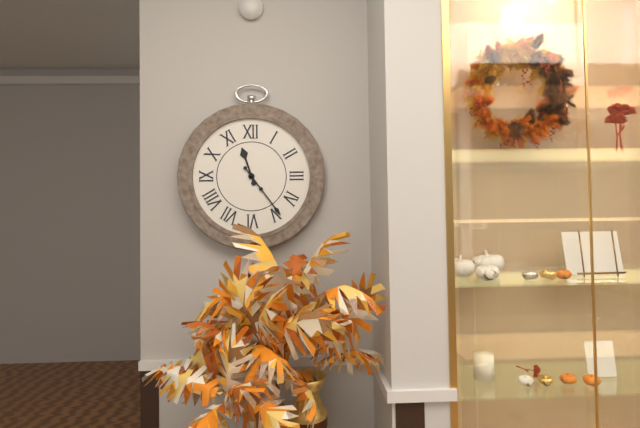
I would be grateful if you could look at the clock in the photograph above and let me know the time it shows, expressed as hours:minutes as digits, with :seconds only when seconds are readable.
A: 11:24
